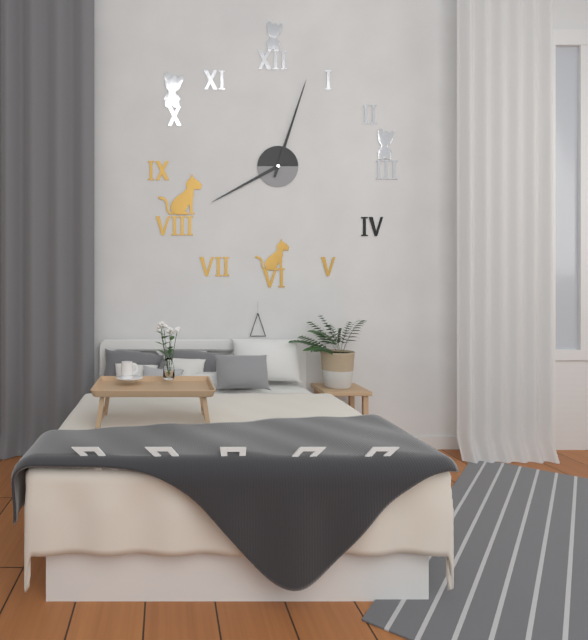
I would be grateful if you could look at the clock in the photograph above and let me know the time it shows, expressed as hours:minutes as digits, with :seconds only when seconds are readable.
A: 8:03
